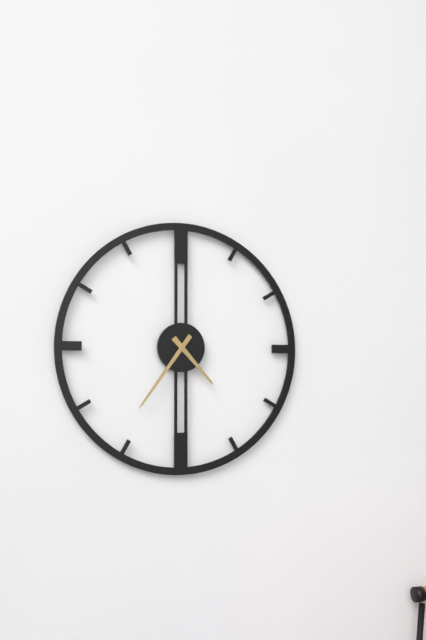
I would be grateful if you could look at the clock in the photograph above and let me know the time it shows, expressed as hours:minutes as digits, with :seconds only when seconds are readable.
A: 4:36
